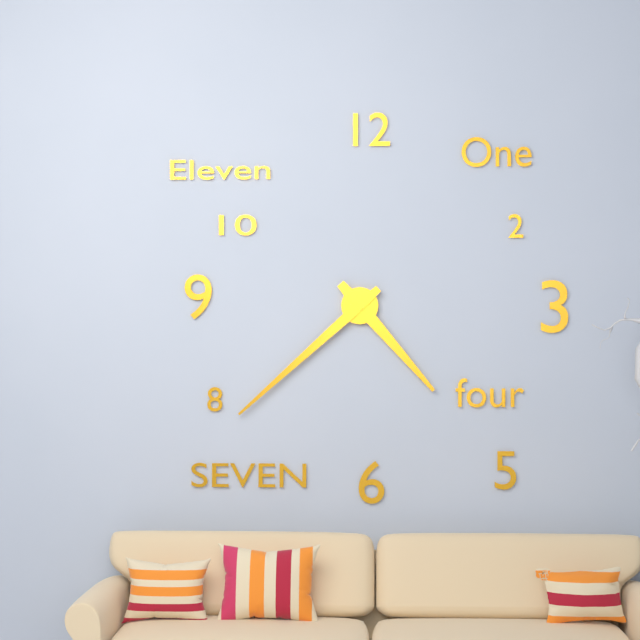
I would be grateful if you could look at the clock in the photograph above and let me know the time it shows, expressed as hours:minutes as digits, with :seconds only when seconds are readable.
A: 4:38
